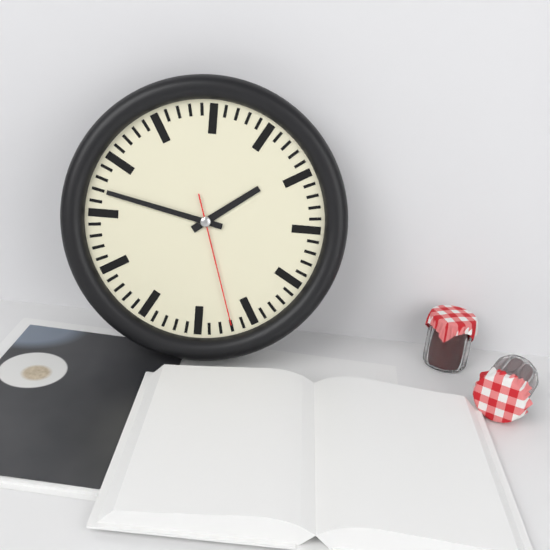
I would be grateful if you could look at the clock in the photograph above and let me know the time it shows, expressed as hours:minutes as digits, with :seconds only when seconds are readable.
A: 1:47:27
